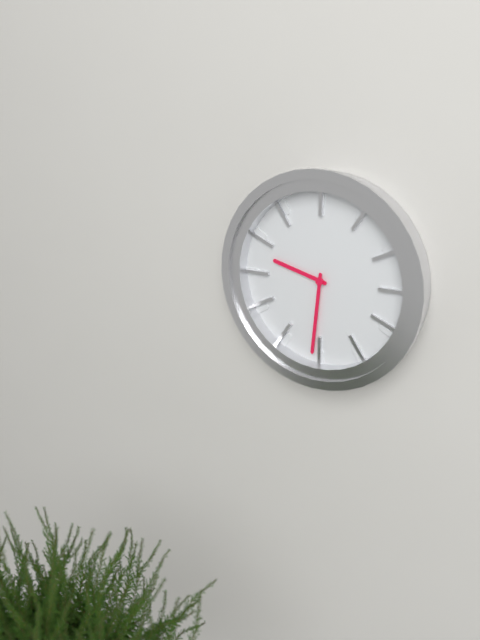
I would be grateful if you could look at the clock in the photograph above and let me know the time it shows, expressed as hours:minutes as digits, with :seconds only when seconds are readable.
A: 9:31
